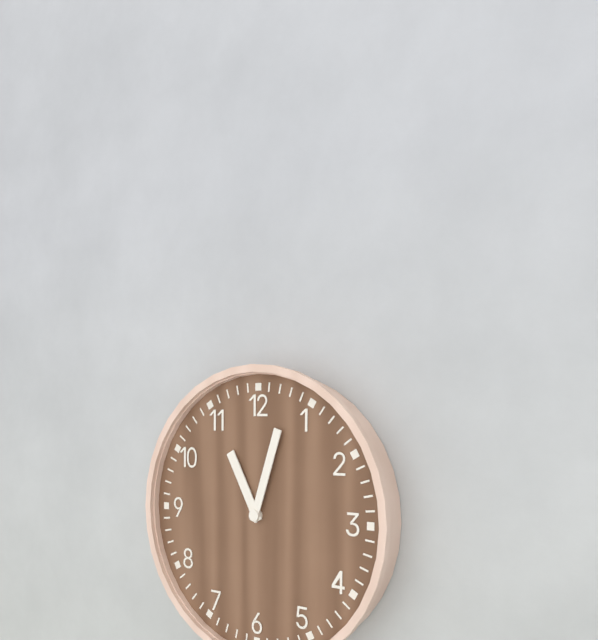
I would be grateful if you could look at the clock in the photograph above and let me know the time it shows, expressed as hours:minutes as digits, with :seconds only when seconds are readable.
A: 11:03
